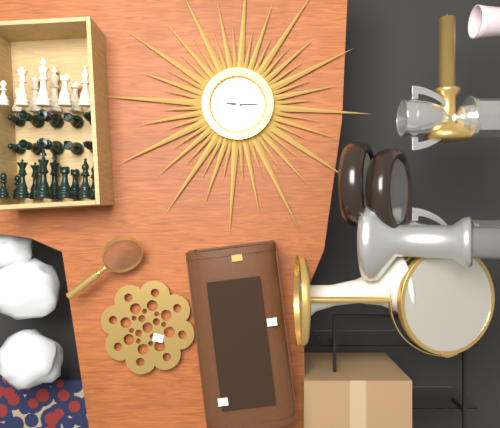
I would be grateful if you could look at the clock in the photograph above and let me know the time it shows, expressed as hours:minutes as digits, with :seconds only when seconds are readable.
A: 9:15
